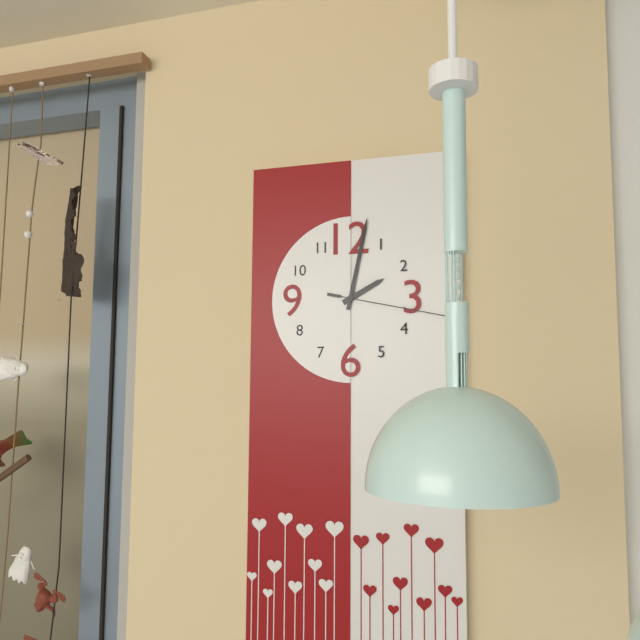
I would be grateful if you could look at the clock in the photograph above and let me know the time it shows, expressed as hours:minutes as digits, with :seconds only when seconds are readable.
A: 2:02:17
